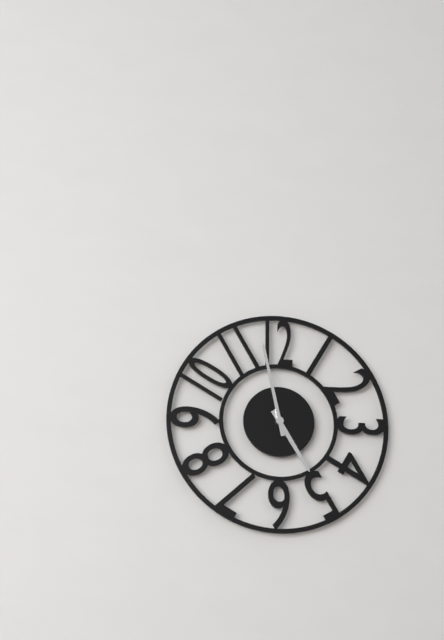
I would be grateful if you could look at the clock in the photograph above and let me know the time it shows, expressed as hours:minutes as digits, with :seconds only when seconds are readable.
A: 4:58
